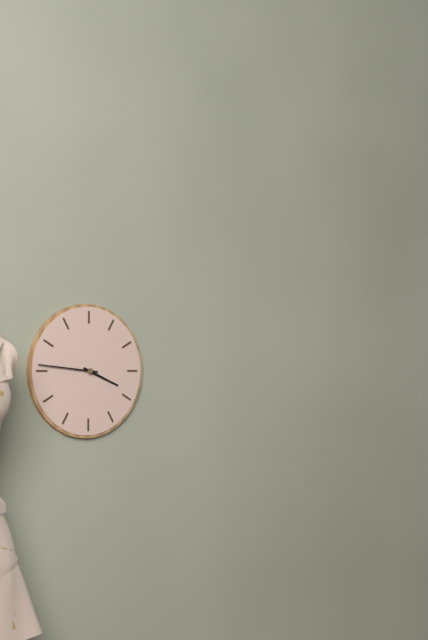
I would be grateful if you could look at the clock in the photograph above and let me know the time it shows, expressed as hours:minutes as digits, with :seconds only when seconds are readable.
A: 3:46
